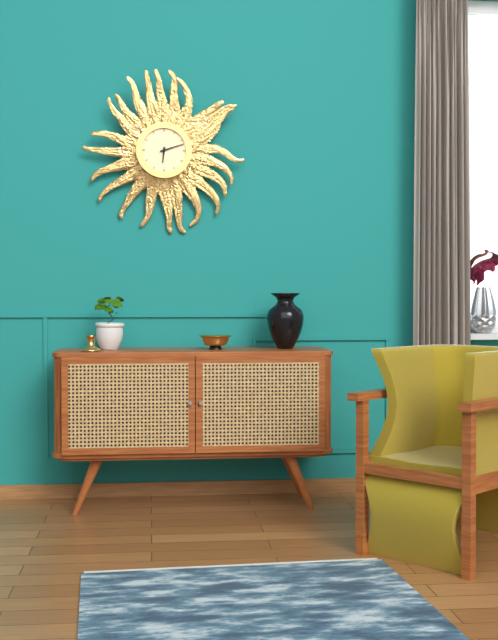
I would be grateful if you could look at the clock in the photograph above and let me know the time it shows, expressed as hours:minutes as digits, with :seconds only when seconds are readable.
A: 6:12
